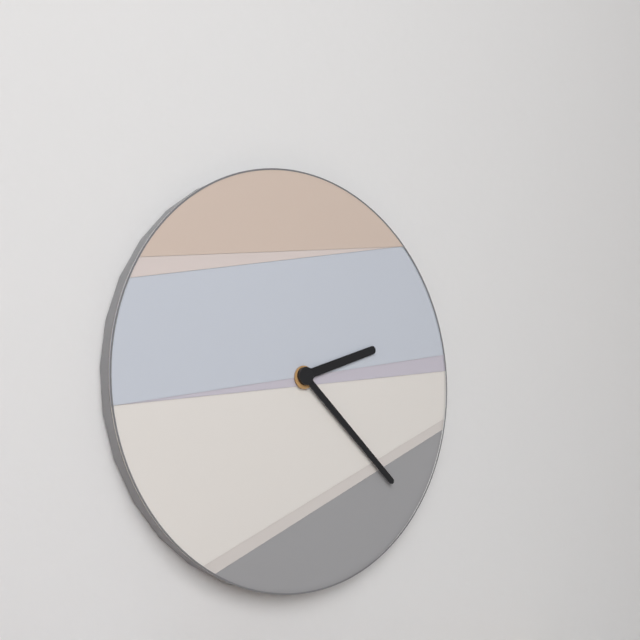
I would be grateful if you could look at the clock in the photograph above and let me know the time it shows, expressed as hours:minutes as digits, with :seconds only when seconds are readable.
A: 2:22
